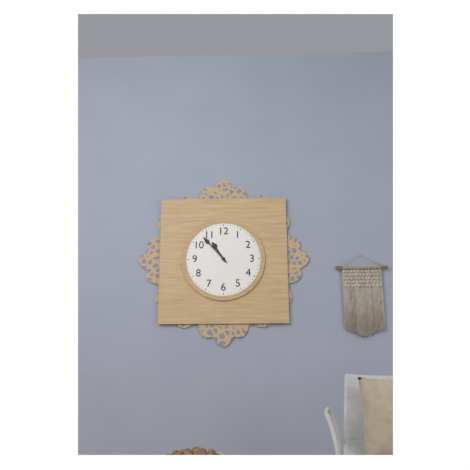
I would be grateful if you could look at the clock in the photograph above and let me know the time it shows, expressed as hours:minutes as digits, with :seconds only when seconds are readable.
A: 10:53
